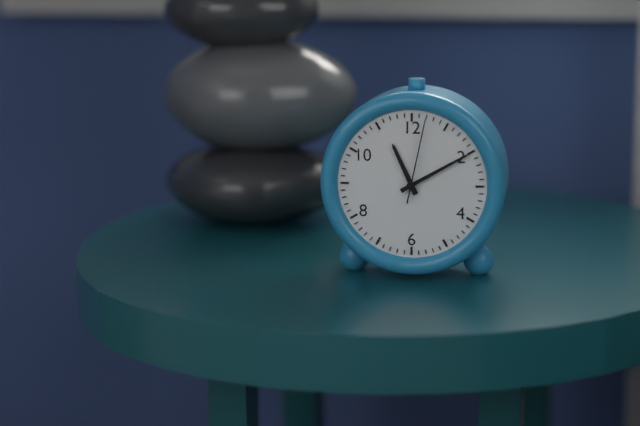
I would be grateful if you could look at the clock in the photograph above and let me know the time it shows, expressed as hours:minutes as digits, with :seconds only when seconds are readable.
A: 11:10:02
